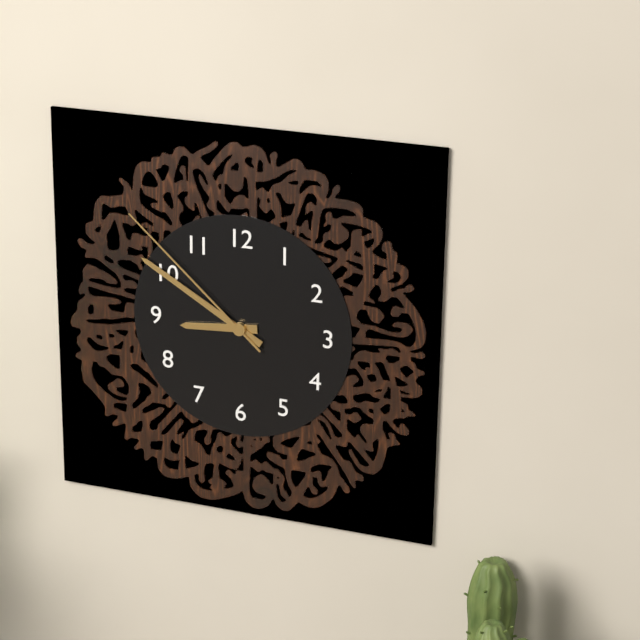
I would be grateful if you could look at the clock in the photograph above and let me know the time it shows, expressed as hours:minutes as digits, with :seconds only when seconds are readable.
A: 8:50:52
